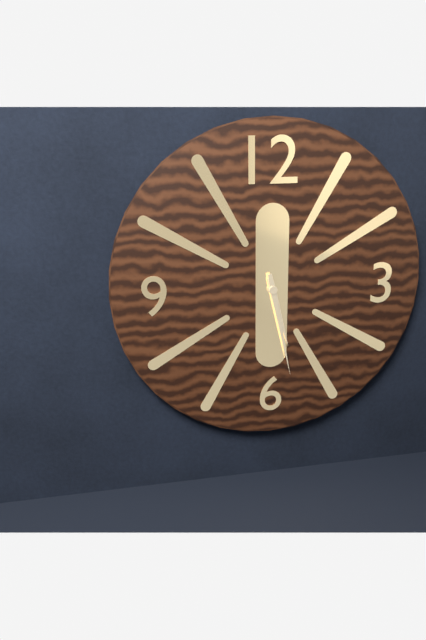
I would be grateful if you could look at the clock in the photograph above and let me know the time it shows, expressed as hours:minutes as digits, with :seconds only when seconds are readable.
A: 5:28
